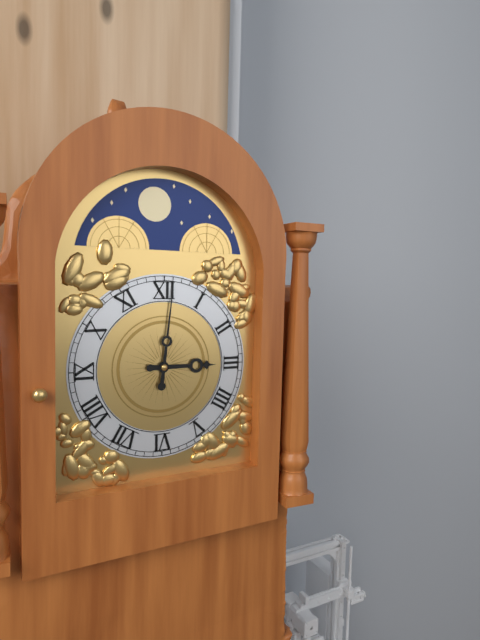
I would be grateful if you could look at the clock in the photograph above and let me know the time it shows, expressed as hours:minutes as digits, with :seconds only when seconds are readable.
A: 3:01
